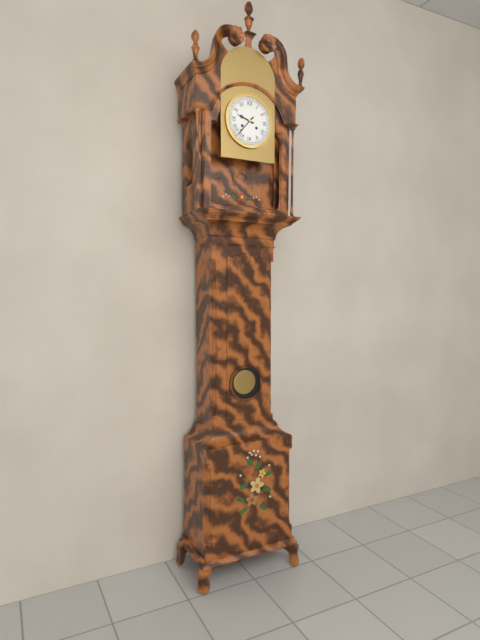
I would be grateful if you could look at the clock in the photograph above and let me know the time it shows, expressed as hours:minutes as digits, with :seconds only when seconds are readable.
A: 9:37
